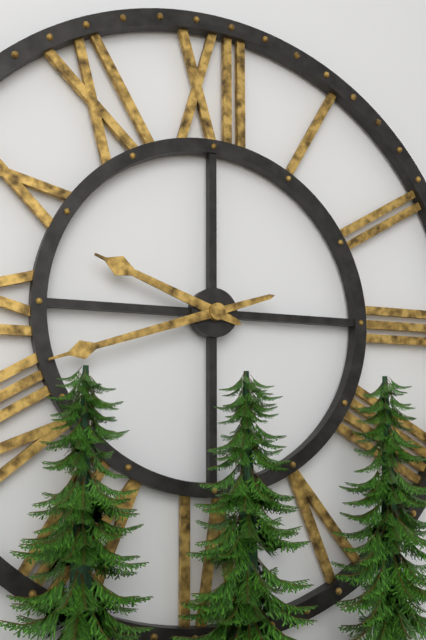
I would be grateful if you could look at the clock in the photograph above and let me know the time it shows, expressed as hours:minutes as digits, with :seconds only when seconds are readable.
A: 9:42
